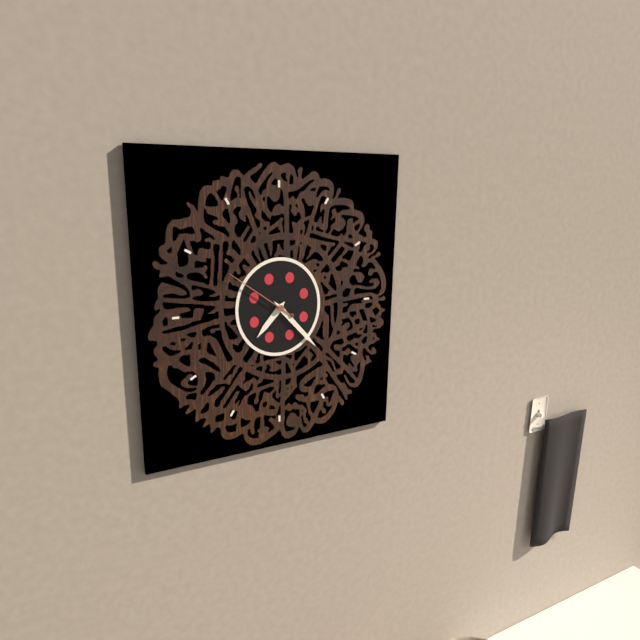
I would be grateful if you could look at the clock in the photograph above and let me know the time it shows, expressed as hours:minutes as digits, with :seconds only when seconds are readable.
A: 7:23:51
